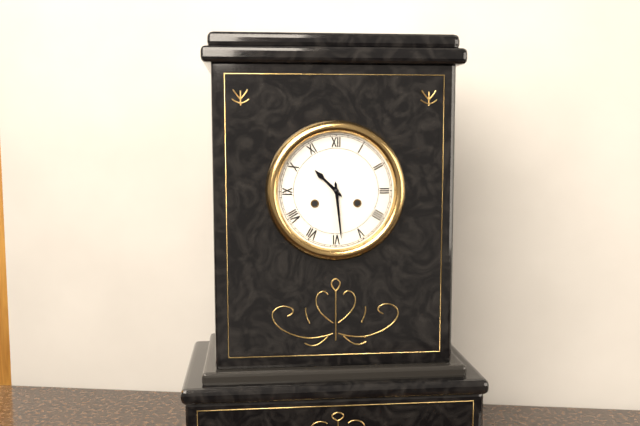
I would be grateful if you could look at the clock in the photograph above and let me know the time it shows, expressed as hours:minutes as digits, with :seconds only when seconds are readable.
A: 10:29
